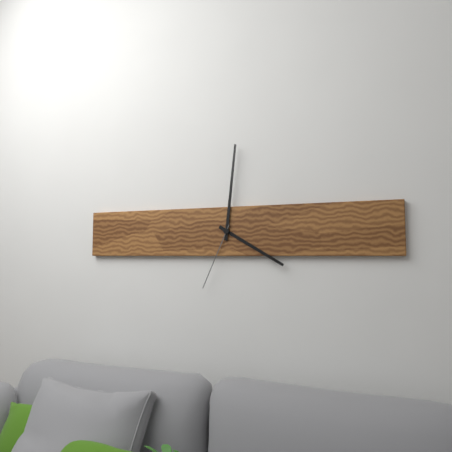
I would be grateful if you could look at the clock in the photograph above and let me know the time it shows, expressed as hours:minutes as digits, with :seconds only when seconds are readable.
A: 4:01:34
